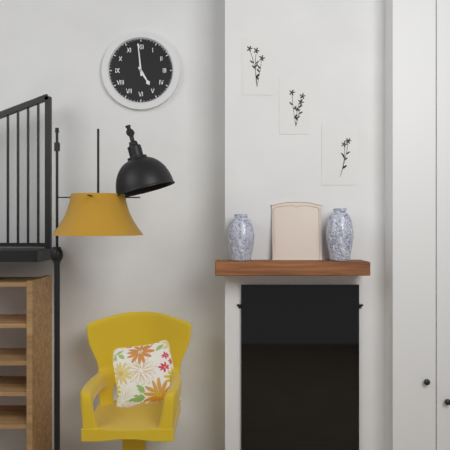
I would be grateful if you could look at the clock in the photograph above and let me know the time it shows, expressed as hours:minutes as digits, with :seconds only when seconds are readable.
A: 4:59
